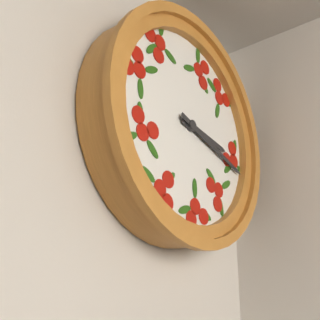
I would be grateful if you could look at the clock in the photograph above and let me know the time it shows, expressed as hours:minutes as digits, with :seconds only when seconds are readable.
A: 3:18
